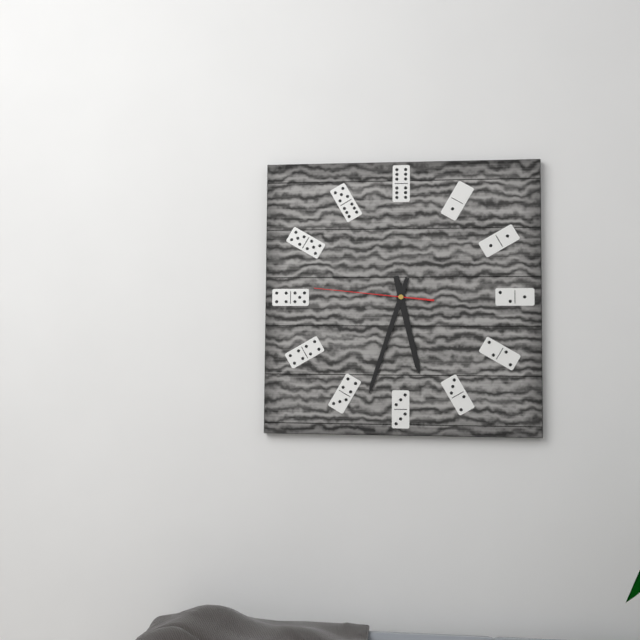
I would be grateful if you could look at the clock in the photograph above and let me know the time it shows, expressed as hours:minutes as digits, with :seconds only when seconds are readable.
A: 5:33:46
